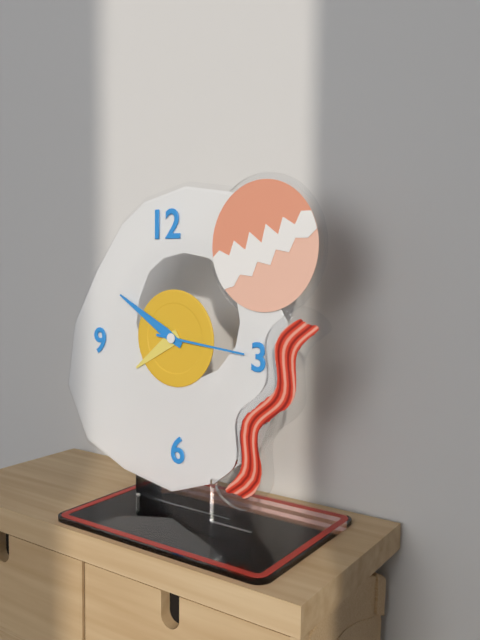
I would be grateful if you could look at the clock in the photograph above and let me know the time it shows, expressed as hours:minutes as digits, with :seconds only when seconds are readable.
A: 7:50:16
